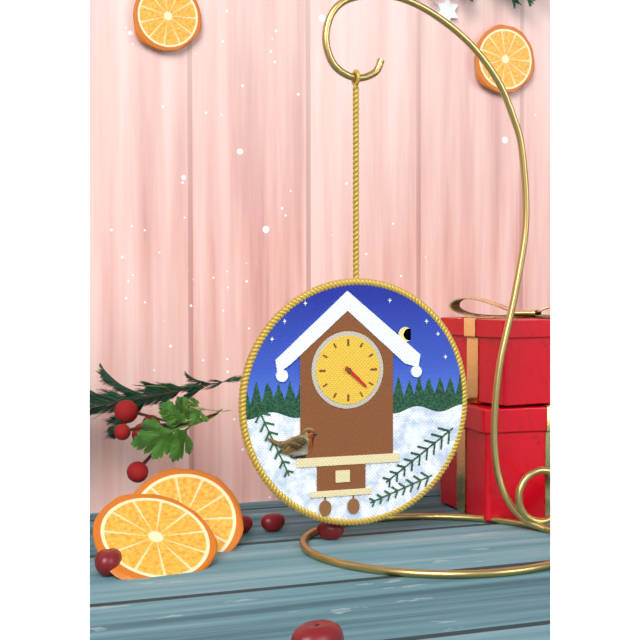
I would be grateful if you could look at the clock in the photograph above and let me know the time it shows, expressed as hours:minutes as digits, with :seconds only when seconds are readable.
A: 4:22
